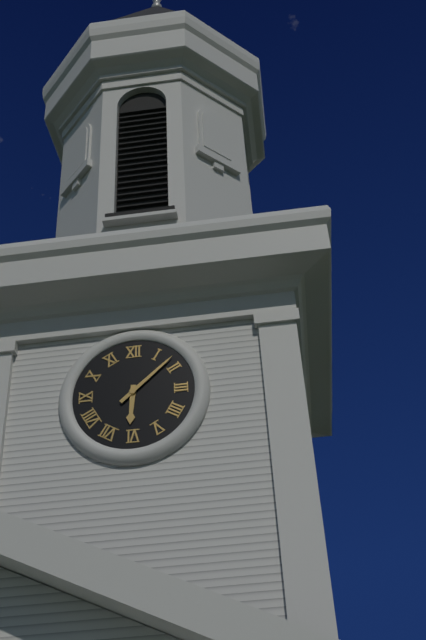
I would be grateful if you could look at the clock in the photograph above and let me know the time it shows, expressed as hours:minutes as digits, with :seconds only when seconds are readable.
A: 6:08
